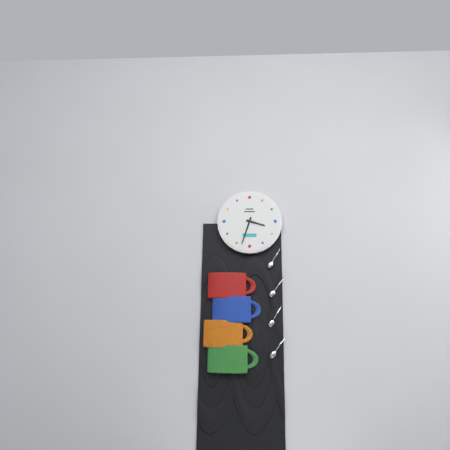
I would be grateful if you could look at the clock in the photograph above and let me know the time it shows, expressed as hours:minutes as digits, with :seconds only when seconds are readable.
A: 3:33
